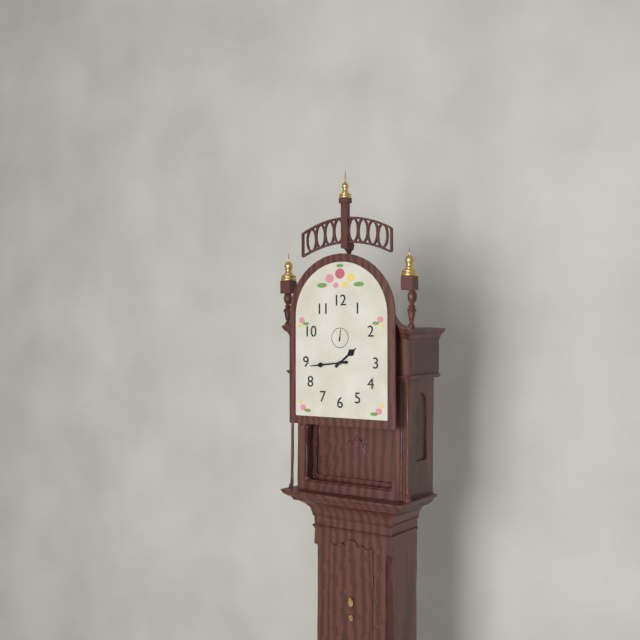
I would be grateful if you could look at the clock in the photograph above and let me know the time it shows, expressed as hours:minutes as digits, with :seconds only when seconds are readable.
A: 1:44
